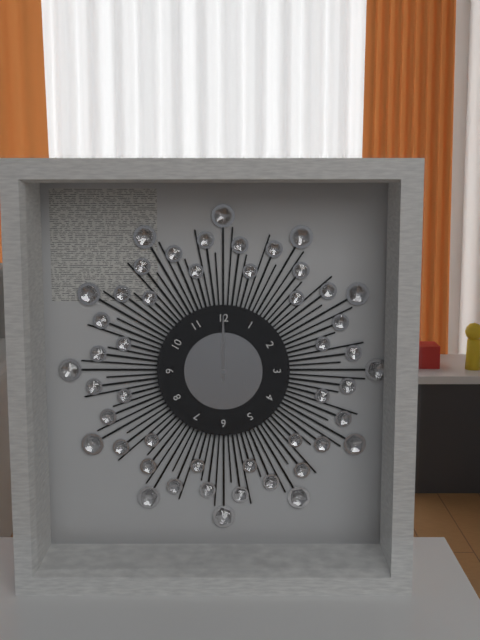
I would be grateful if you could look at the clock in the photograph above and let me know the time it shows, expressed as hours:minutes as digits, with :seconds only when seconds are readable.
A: 12:00
